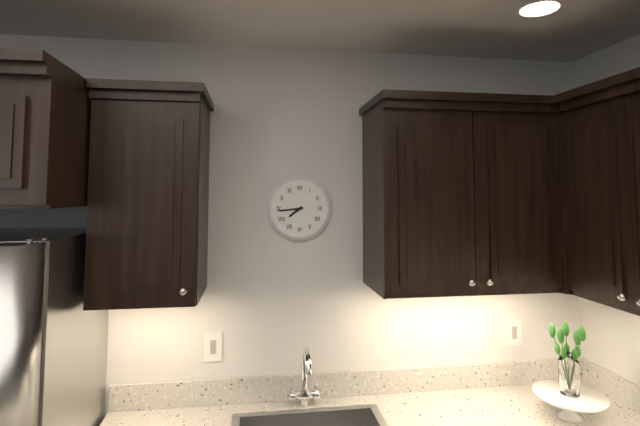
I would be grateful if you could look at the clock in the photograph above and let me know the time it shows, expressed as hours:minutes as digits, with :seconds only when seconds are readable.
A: 7:44
